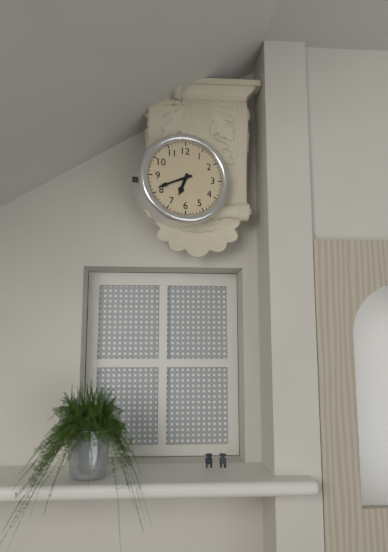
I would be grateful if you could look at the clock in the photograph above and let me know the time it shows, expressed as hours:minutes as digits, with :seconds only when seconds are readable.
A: 6:41
